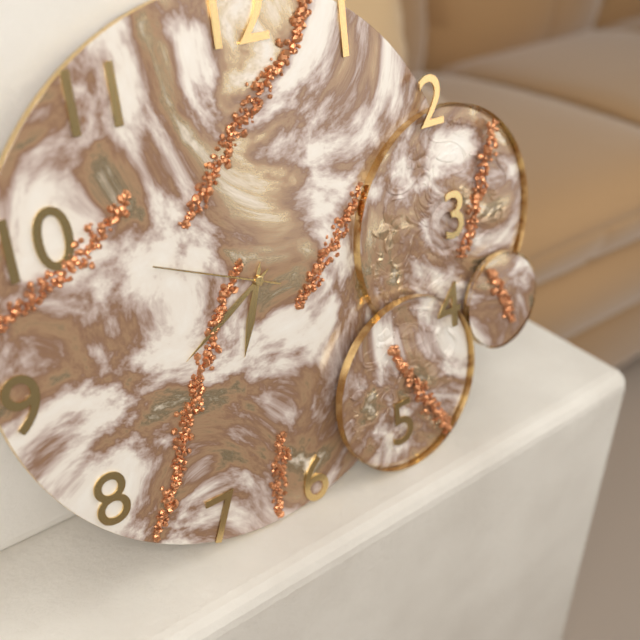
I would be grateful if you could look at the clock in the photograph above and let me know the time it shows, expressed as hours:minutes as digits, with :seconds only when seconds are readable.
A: 6:40:49
